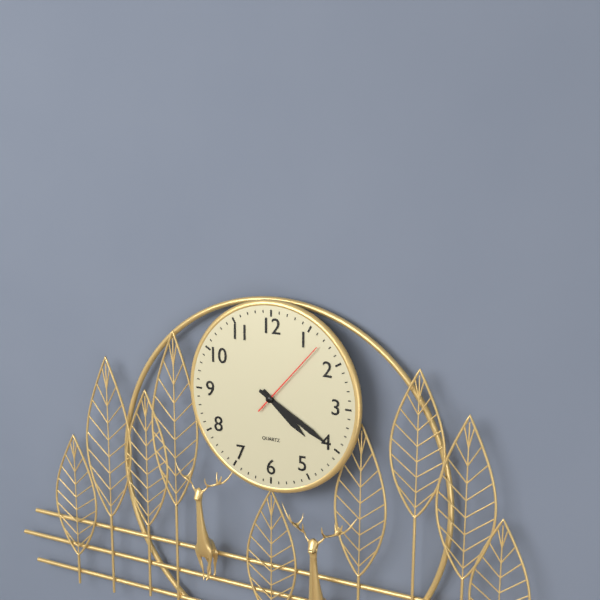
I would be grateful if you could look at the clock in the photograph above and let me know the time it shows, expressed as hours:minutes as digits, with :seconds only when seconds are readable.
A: 4:20:07
